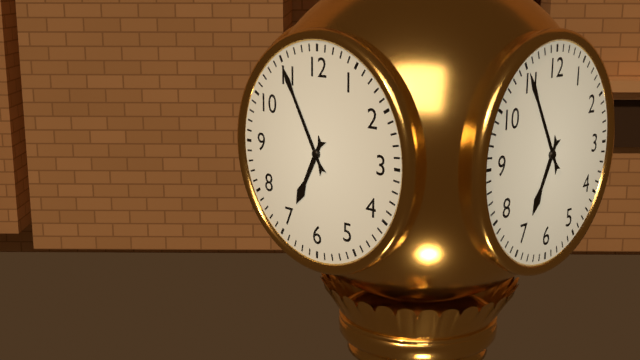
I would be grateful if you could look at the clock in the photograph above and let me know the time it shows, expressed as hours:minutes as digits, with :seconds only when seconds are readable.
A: 6:55
